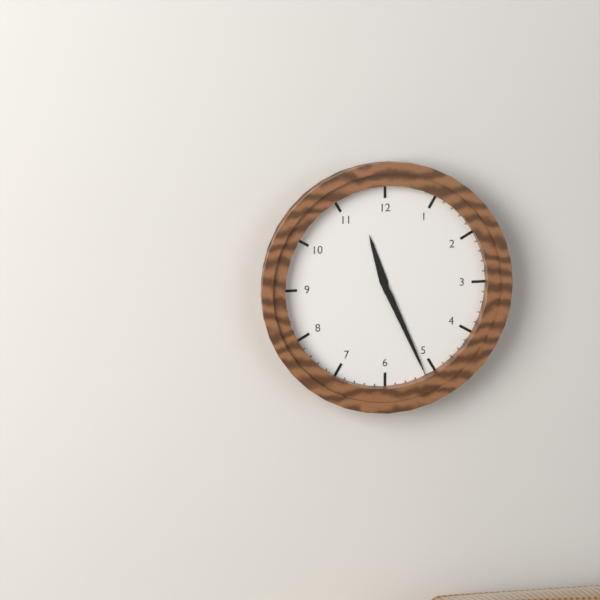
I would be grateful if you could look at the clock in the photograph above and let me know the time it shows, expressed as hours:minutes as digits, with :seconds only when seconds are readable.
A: 11:26
